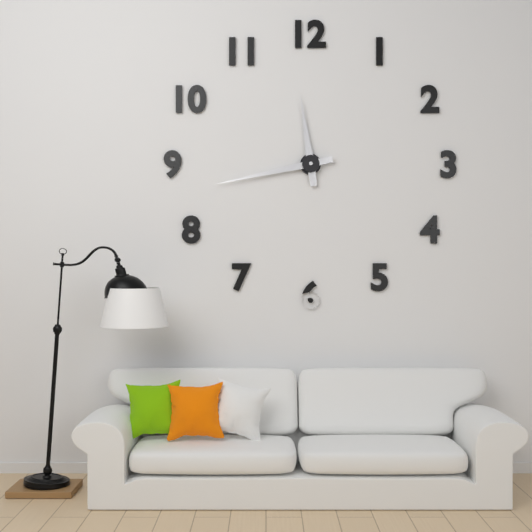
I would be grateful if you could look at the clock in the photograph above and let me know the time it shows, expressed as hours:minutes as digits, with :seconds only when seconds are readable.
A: 11:43
